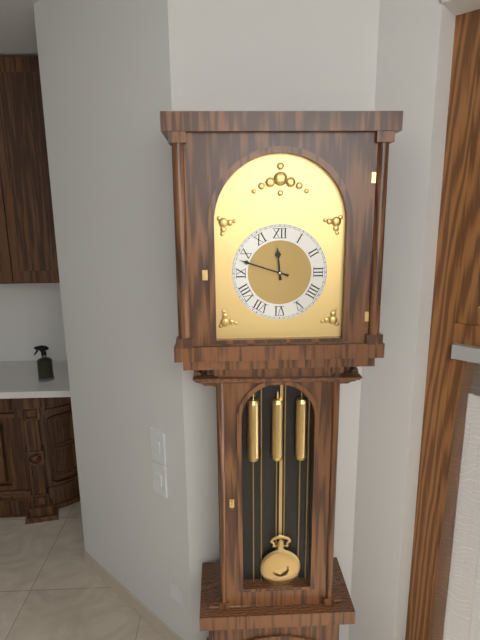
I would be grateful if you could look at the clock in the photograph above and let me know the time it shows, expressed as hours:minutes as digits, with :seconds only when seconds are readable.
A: 11:48
